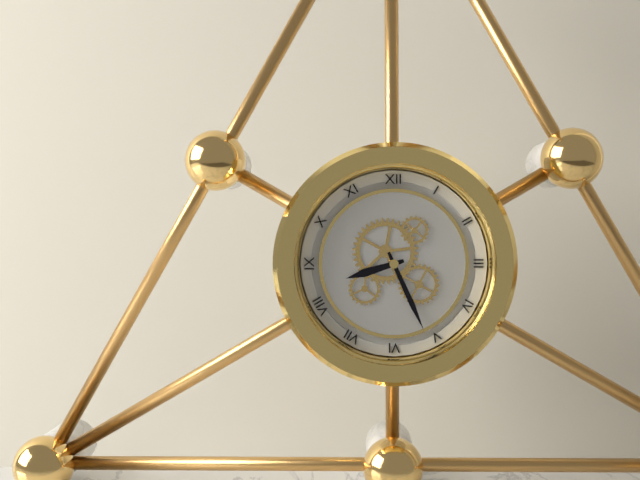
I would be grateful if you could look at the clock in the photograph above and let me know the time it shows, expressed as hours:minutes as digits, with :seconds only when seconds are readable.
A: 8:26
